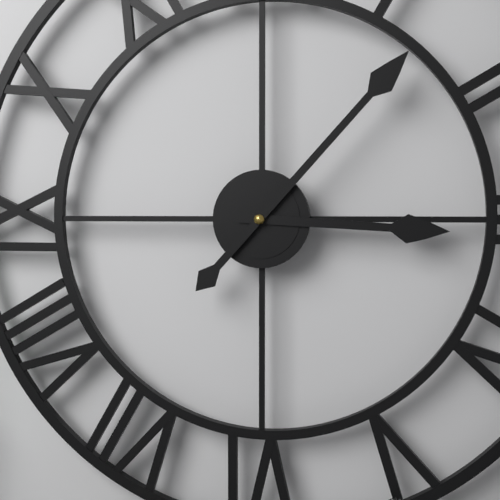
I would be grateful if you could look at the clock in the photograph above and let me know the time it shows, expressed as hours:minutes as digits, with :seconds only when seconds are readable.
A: 3:07
